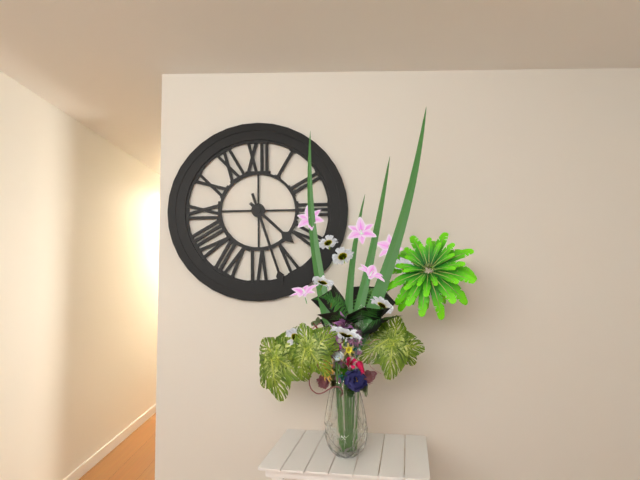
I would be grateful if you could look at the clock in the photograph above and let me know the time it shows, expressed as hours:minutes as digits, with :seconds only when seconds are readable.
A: 4:27
